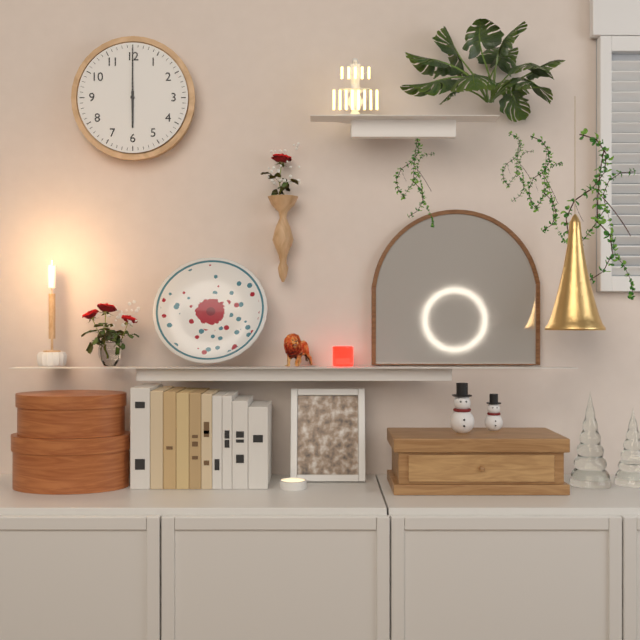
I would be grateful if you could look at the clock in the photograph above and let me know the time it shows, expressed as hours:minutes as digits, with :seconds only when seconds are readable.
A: 6:00
